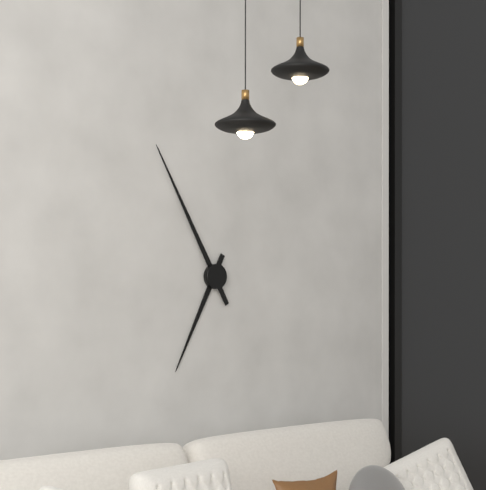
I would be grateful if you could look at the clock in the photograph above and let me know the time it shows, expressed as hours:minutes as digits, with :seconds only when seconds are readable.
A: 6:55
